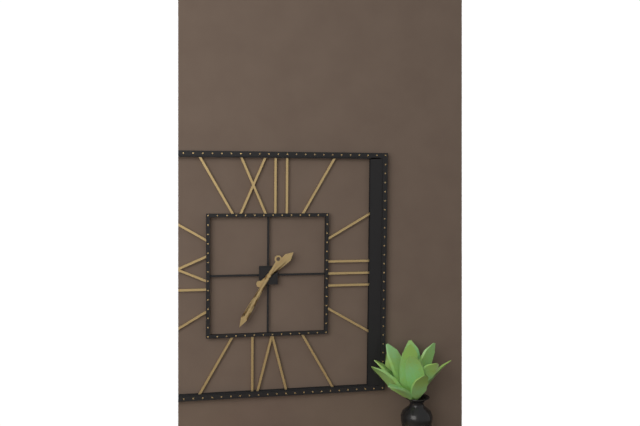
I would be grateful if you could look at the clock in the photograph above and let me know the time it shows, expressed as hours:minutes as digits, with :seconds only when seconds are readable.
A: 1:35
